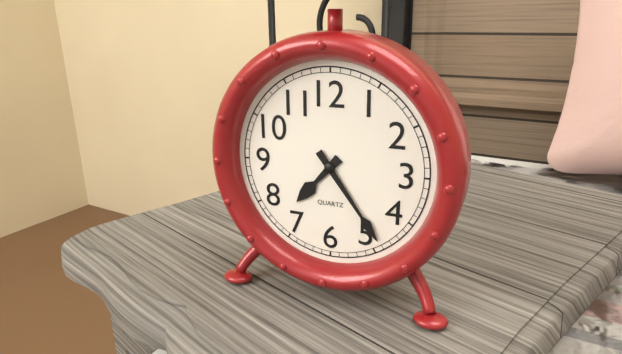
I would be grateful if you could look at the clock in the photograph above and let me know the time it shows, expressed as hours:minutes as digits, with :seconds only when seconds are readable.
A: 7:24
